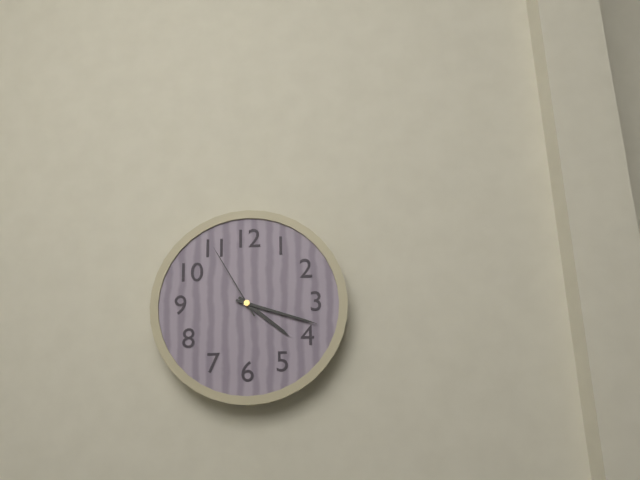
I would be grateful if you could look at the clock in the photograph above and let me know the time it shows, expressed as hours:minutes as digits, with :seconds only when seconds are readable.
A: 4:18:55
